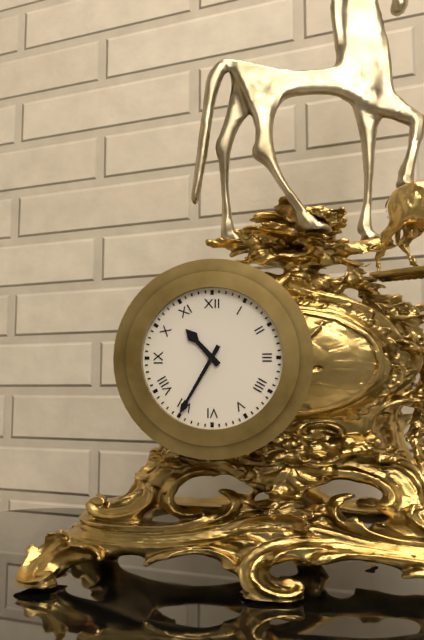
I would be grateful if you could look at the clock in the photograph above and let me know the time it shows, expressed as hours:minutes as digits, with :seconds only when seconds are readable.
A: 10:35
